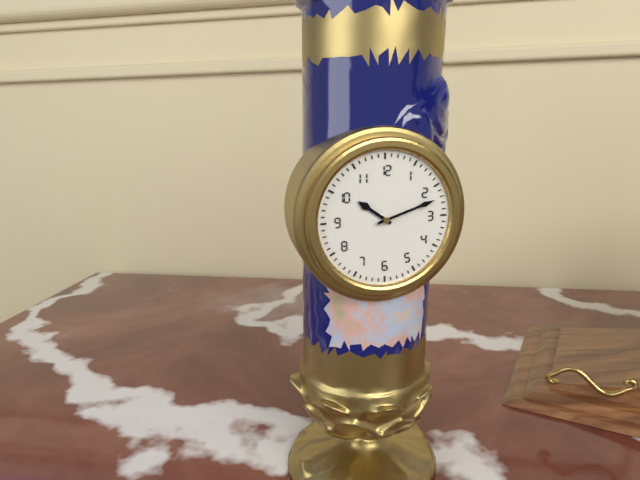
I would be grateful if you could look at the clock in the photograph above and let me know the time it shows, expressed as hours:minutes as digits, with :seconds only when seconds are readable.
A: 10:12
